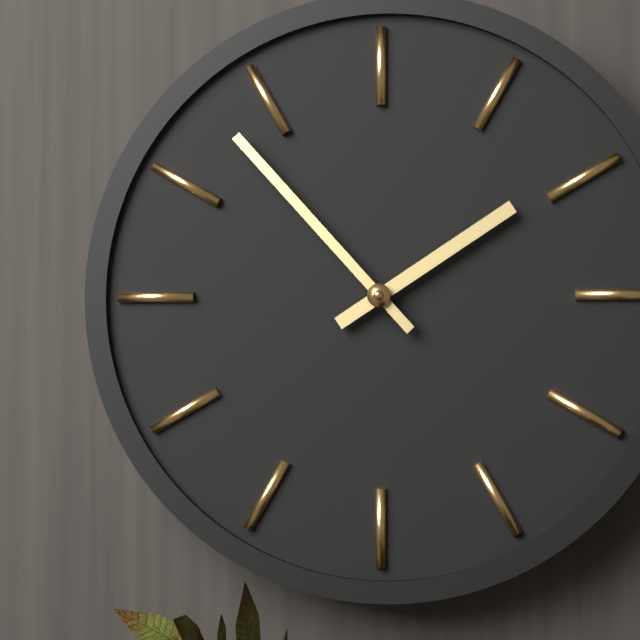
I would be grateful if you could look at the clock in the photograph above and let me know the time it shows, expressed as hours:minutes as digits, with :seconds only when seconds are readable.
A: 1:53
